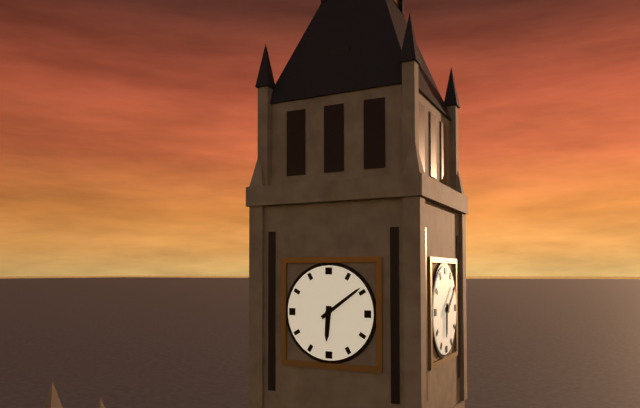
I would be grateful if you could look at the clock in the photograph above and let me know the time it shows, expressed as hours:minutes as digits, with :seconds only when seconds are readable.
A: 6:09
